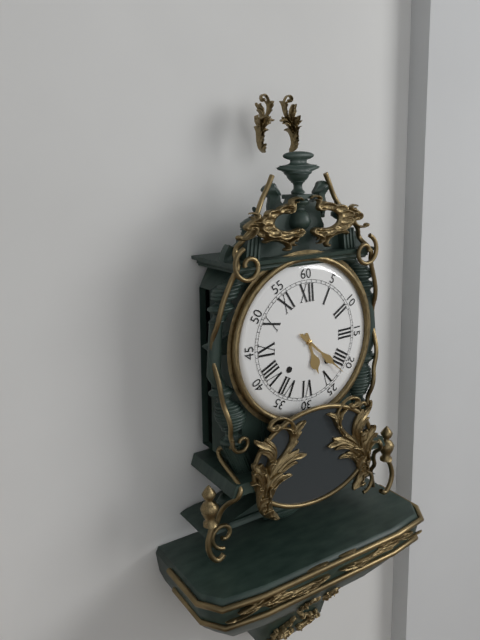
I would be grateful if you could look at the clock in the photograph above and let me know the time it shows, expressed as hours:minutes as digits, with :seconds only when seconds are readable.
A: 5:22
